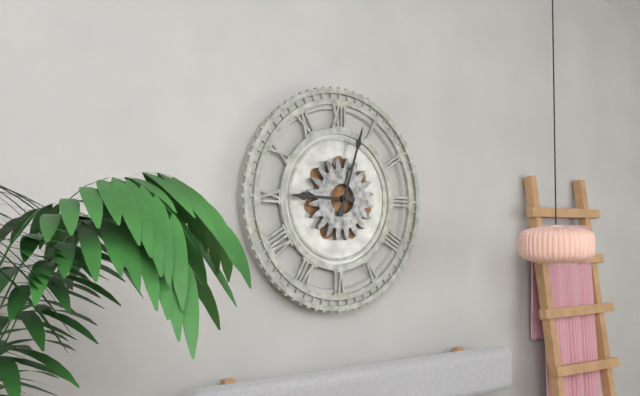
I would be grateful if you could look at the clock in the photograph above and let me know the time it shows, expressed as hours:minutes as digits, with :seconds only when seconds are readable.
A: 9:03
